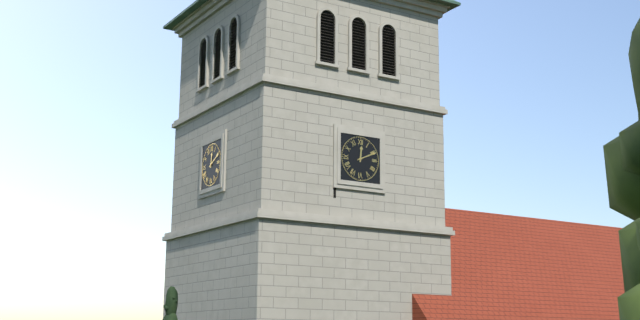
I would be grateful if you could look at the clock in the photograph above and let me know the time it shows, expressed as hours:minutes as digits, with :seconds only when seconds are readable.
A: 12:11
